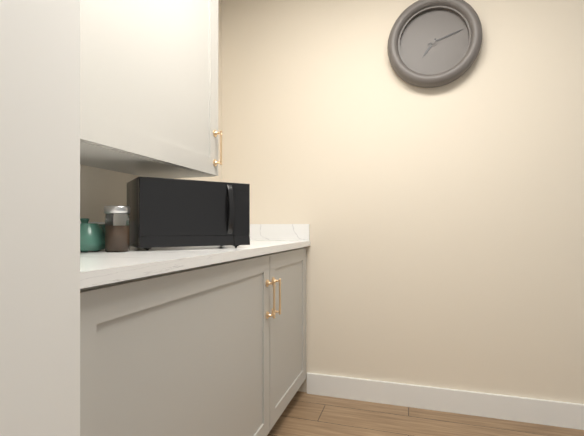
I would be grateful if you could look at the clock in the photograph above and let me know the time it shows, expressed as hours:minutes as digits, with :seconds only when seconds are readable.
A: 7:12
